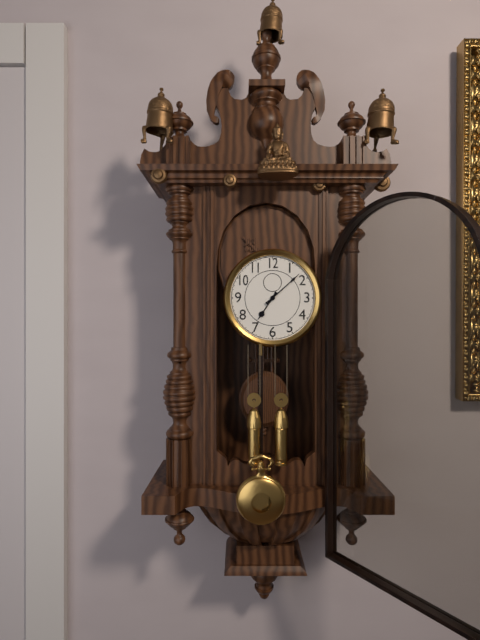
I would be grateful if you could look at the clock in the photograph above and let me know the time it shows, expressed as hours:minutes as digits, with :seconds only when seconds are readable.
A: 7:08
